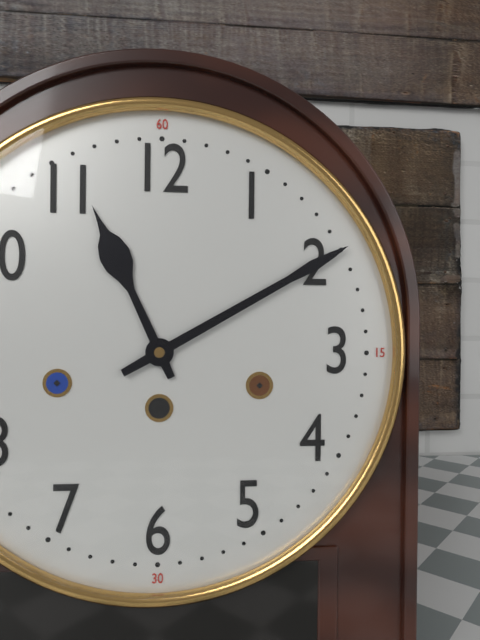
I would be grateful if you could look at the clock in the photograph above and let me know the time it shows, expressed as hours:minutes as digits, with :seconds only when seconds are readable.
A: 11:10
